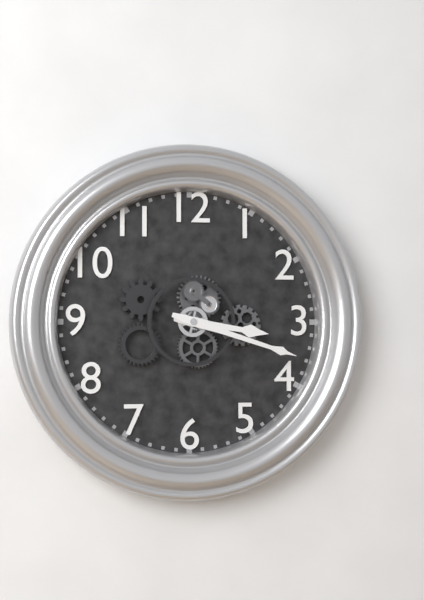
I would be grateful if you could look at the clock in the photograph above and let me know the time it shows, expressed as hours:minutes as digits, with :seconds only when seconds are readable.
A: 3:18
